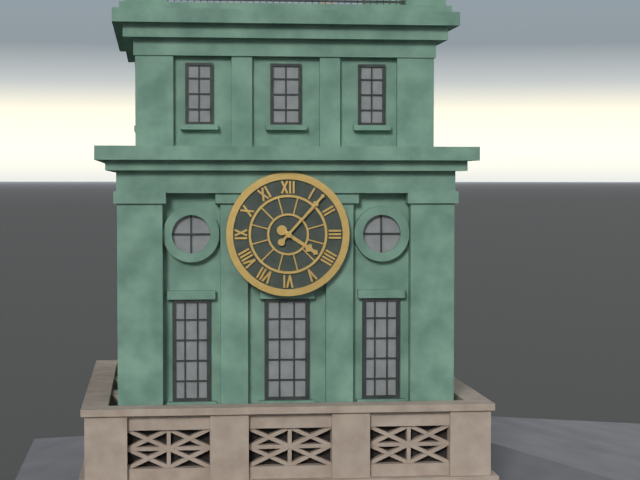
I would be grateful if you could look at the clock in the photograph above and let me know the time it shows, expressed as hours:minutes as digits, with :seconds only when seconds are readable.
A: 4:07
